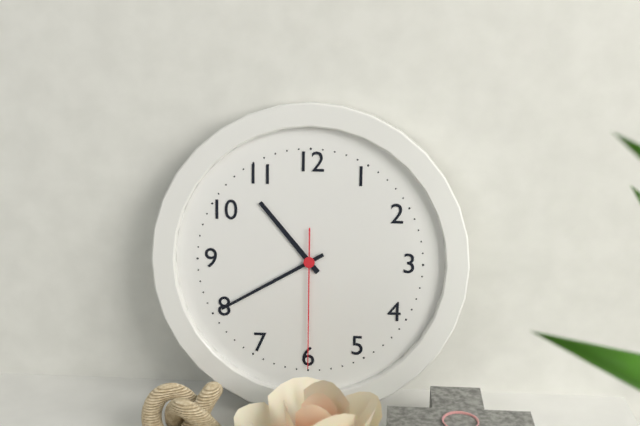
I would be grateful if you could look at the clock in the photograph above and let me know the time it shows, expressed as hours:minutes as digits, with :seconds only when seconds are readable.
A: 10:40:30
